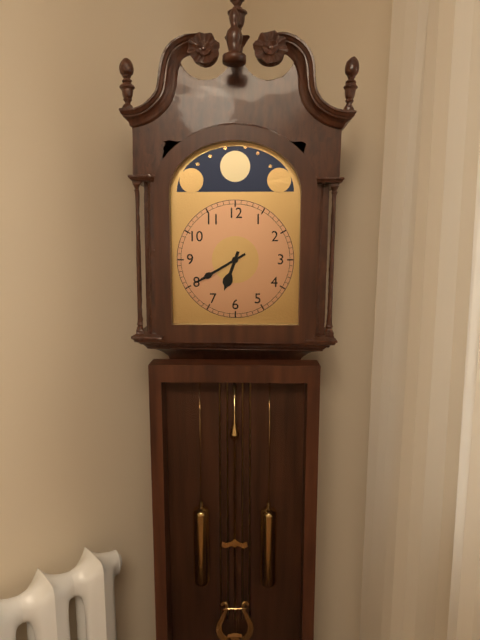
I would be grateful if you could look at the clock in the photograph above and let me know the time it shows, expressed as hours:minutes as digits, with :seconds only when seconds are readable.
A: 6:40
